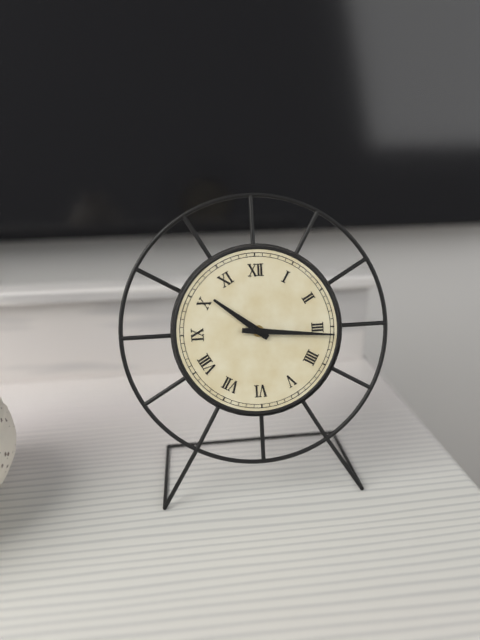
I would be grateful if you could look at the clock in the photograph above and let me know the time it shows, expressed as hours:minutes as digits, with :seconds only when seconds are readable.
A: 10:16
